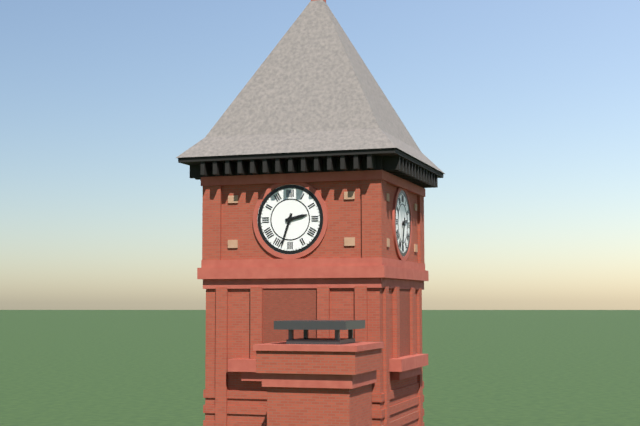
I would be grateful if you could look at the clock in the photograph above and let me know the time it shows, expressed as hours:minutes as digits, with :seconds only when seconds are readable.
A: 2:33
